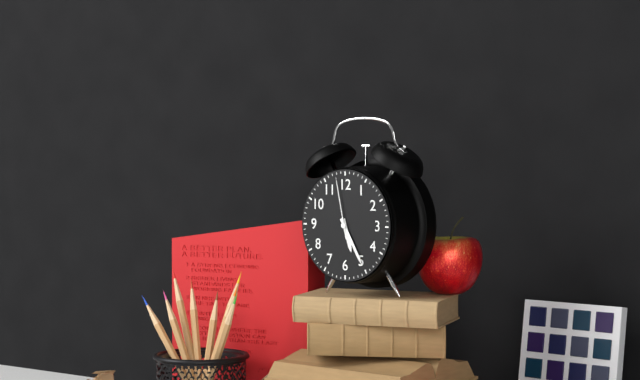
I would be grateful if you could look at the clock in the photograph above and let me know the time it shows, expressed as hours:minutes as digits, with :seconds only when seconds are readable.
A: 5:25:58
